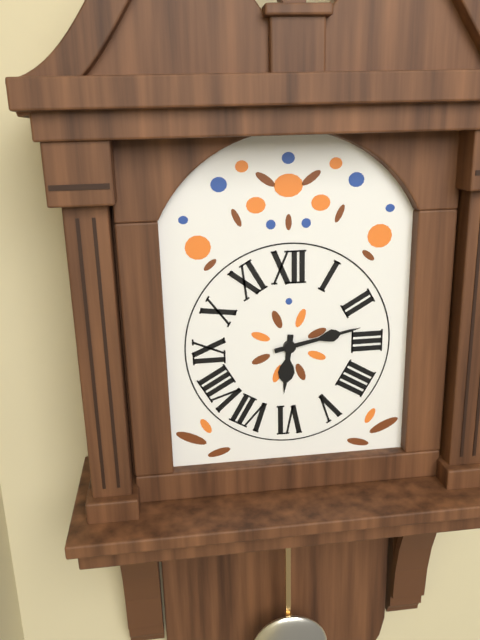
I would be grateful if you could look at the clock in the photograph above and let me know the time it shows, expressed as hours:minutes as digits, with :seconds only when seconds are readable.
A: 6:13
